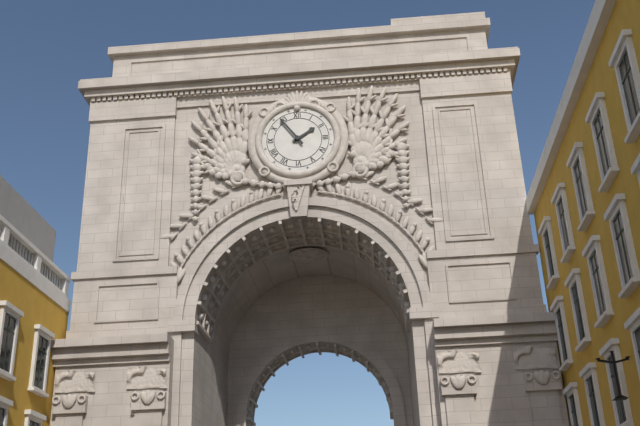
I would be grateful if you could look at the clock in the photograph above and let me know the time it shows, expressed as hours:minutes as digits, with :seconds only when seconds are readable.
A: 1:54
